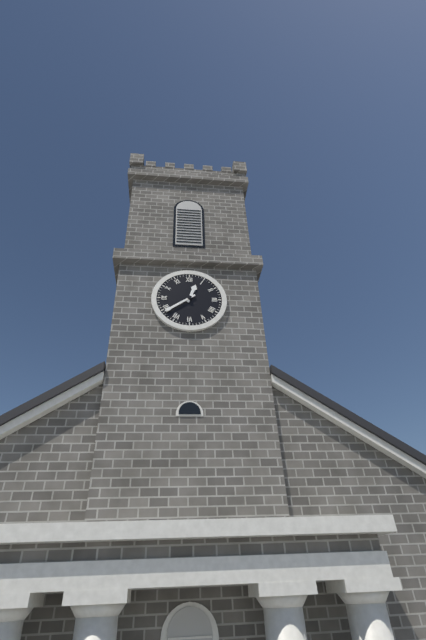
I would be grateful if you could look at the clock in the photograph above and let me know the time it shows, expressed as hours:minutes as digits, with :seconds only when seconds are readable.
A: 12:39
